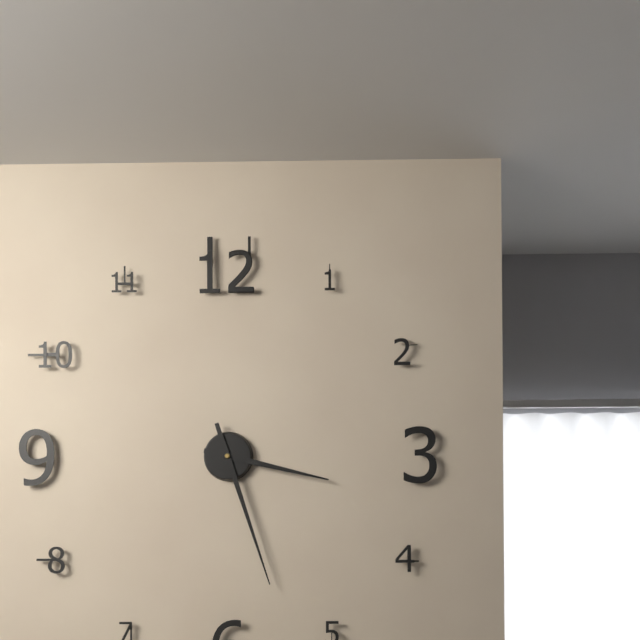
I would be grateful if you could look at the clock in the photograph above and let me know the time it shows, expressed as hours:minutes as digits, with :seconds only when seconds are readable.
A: 3:27
